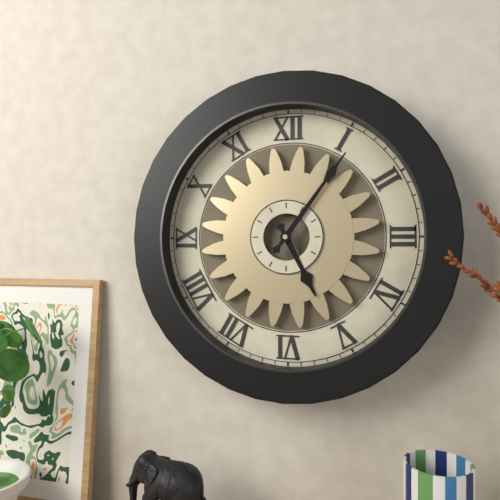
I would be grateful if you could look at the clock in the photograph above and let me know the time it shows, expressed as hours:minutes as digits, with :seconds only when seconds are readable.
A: 5:06
